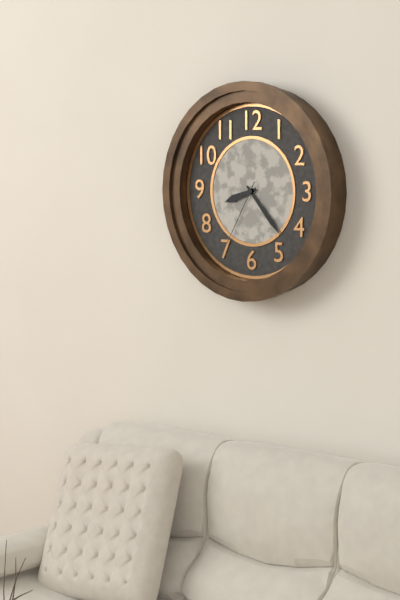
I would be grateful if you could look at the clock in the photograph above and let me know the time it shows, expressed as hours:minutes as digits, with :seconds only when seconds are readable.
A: 8:23:35
